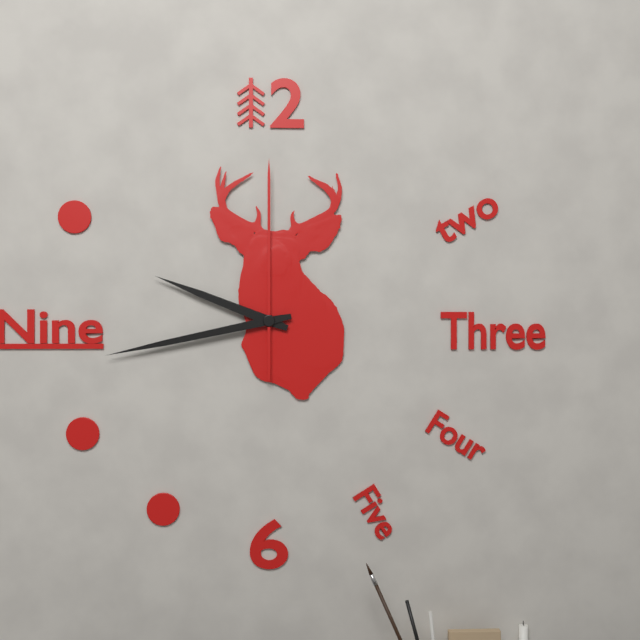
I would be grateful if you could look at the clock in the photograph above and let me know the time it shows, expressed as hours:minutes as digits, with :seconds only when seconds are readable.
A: 9:43:00
